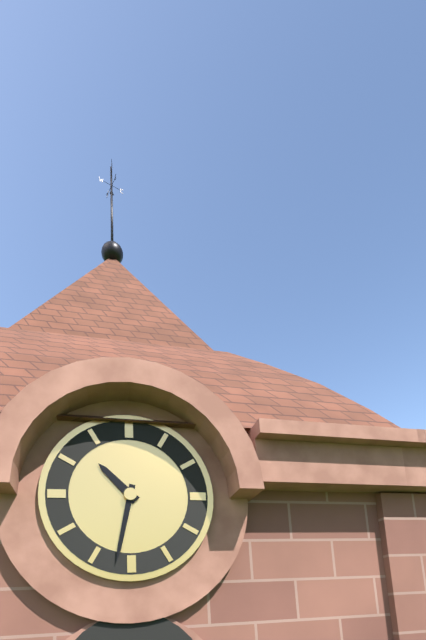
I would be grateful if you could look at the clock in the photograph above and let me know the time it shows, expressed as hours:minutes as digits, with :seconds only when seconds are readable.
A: 10:32
